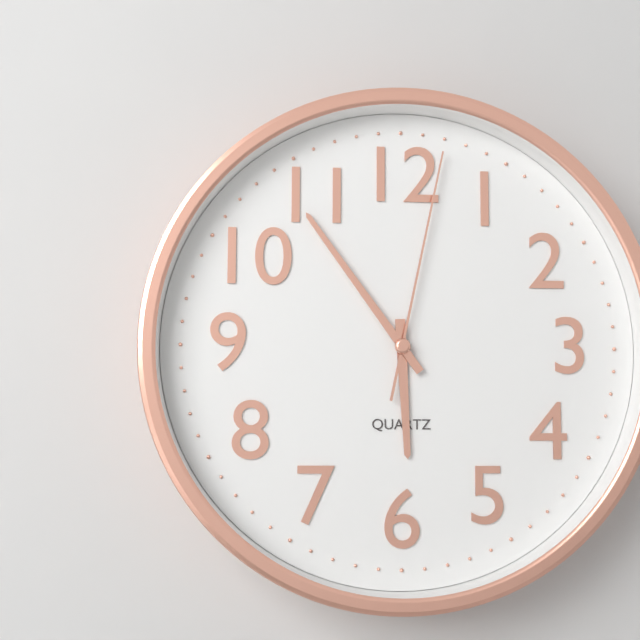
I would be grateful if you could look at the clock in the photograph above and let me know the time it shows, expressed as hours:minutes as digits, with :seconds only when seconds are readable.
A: 5:54:02
